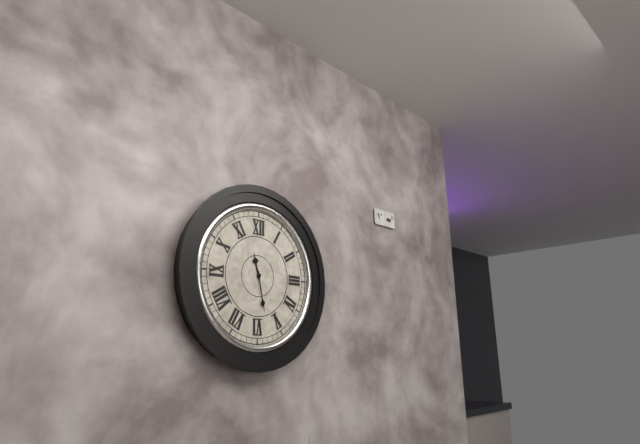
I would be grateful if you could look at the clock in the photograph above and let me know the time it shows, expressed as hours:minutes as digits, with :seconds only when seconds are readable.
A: 11:28
